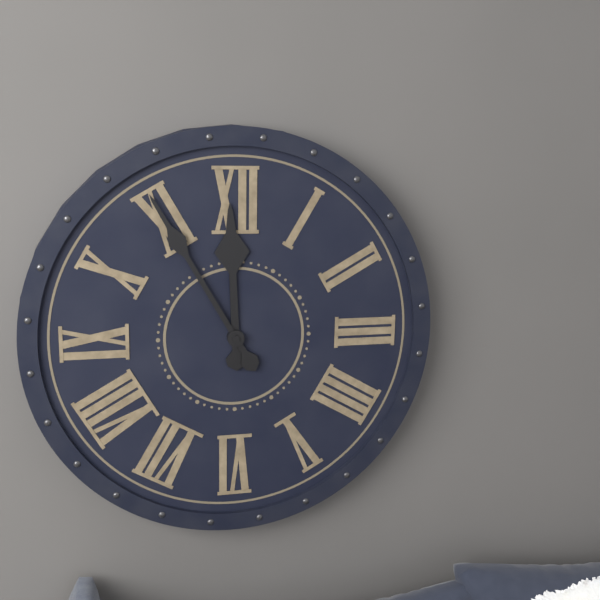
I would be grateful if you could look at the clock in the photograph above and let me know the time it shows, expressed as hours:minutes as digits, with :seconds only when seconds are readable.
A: 11:55
